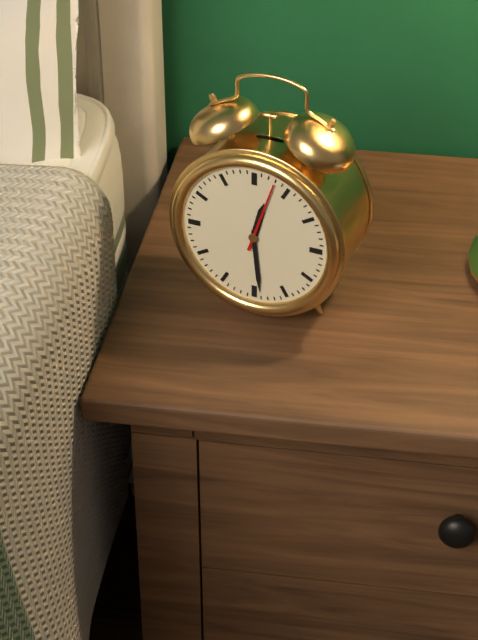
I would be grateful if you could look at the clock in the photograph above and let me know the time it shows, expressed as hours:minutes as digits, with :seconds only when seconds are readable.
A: 12:29:03
